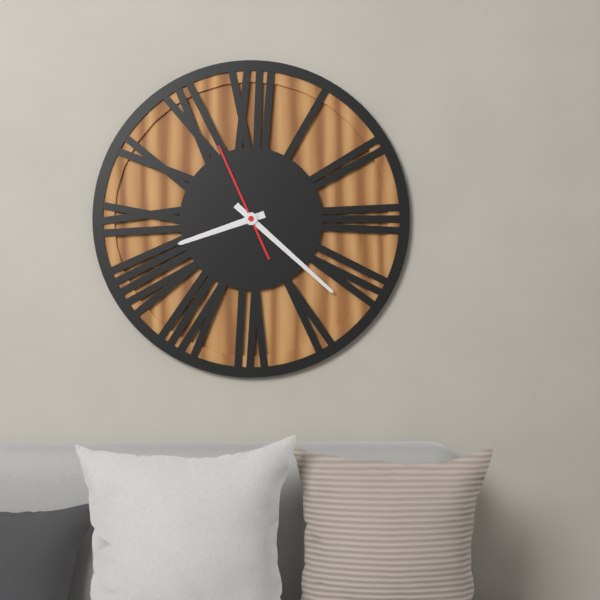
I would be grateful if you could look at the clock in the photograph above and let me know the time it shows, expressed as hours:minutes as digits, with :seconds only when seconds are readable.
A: 8:22:56
